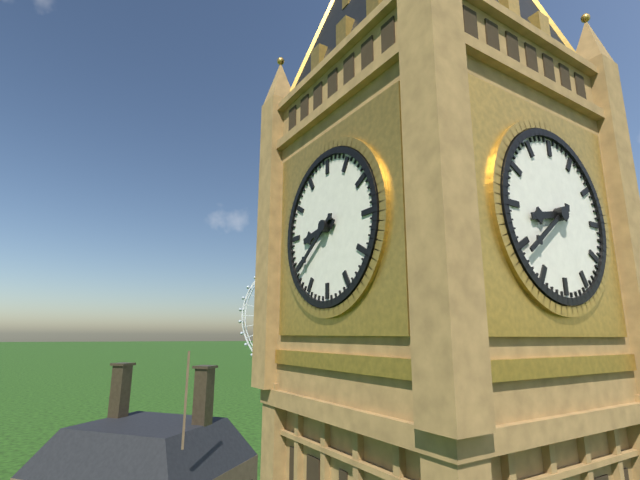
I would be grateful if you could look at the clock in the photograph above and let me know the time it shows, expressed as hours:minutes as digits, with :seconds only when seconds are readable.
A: 8:39
